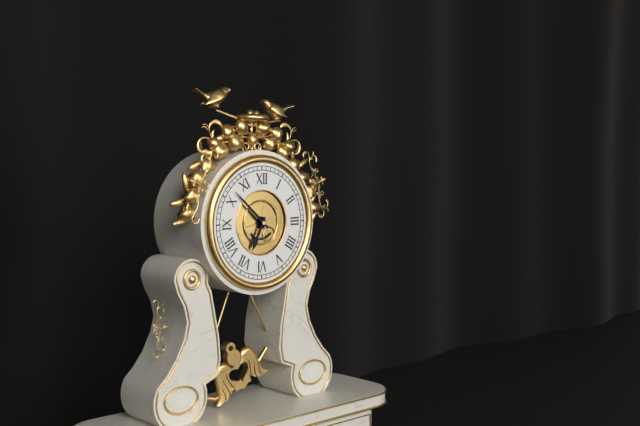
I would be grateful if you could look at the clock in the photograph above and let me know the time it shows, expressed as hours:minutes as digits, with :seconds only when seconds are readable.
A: 6:52
